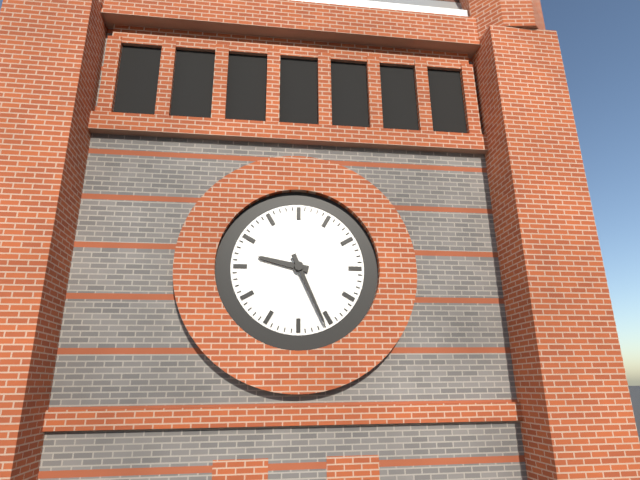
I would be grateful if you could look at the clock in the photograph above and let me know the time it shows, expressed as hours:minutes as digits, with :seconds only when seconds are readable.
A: 9:26
